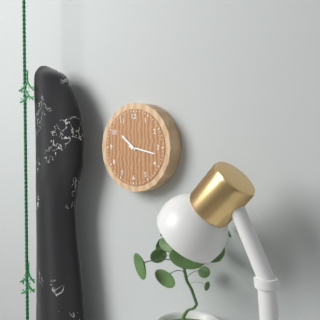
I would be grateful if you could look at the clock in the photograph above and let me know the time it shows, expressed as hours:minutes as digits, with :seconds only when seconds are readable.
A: 10:17
